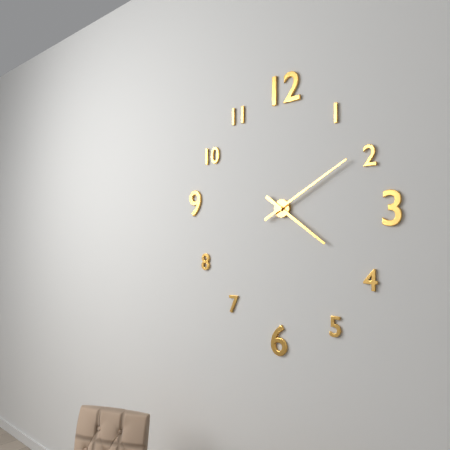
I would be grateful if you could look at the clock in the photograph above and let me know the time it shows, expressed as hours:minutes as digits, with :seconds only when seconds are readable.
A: 4:10
